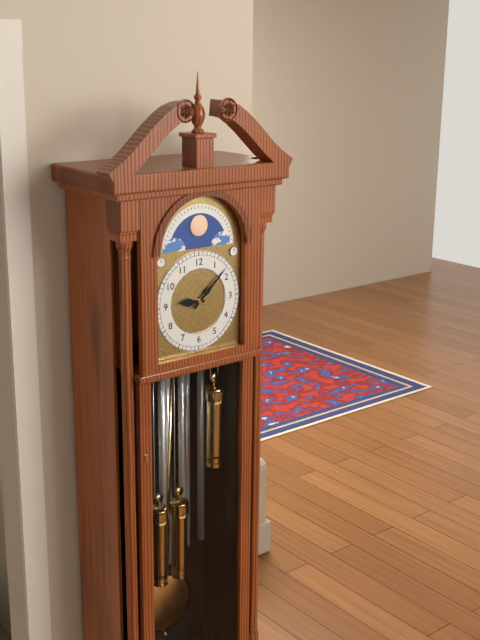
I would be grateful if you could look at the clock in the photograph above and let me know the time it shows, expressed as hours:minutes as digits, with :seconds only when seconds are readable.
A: 9:08
